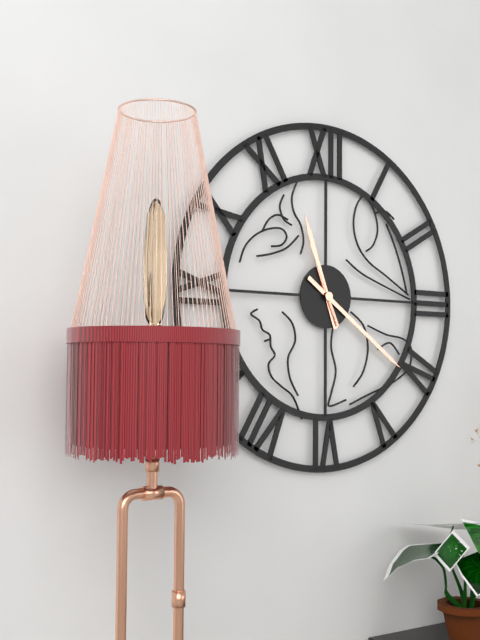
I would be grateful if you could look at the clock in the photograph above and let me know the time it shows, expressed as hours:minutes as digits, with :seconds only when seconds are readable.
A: 11:21:56
